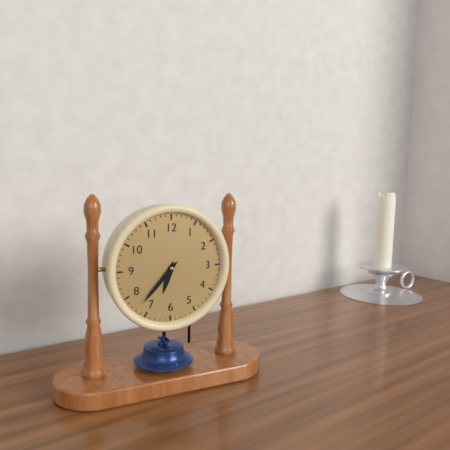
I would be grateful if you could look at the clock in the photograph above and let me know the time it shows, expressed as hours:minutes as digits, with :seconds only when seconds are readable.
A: 6:37
